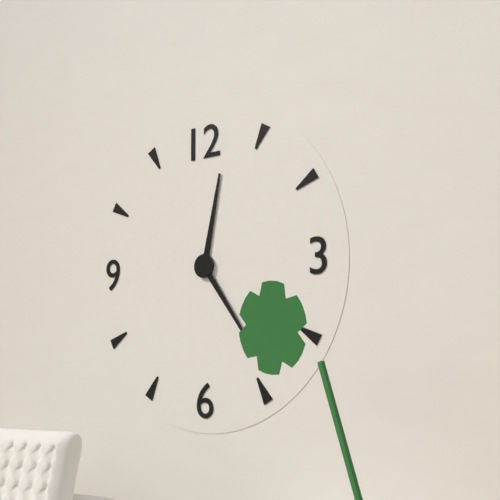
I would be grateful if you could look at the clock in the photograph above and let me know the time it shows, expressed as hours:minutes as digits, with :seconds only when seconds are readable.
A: 12:24
